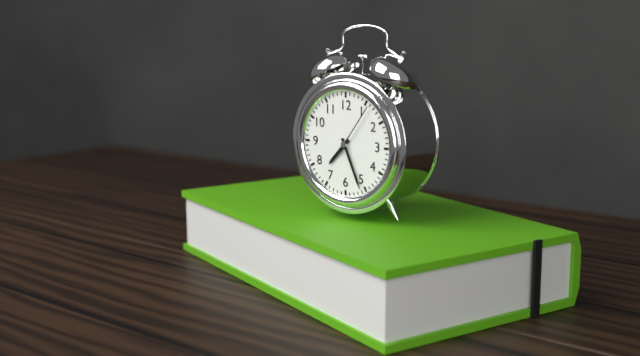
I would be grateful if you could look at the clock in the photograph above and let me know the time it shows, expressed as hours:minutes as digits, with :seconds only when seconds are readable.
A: 7:26:06
